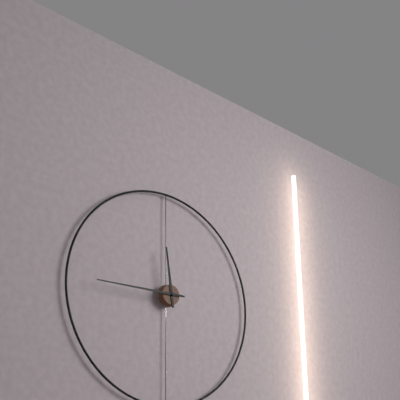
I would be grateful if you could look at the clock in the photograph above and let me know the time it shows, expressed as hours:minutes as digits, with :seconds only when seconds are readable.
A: 11:45
